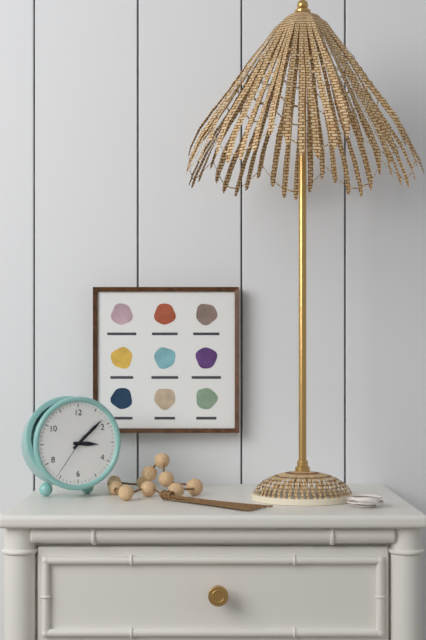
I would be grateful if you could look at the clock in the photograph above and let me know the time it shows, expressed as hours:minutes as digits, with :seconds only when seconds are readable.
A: 3:08
